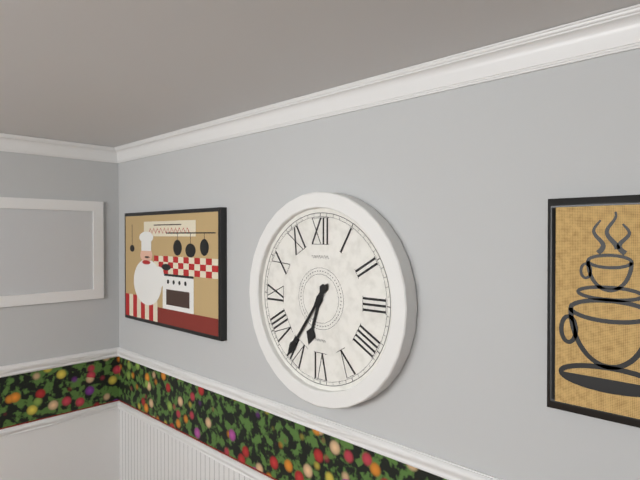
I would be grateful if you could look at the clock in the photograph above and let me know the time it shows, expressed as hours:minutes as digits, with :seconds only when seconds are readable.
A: 6:36
